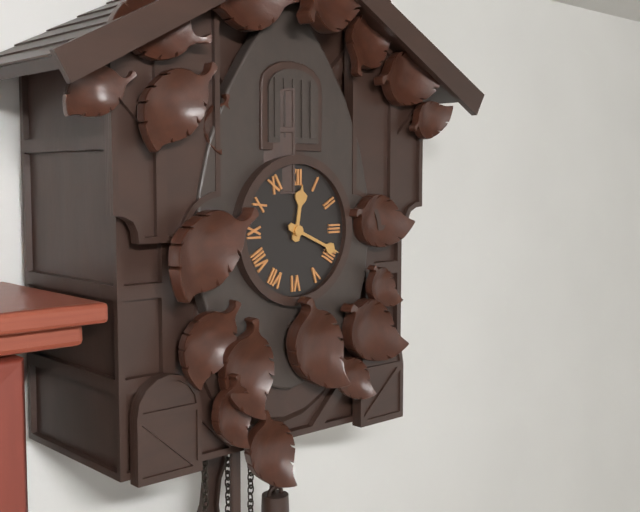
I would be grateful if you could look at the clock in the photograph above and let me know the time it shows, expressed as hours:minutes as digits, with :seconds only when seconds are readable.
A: 12:19
